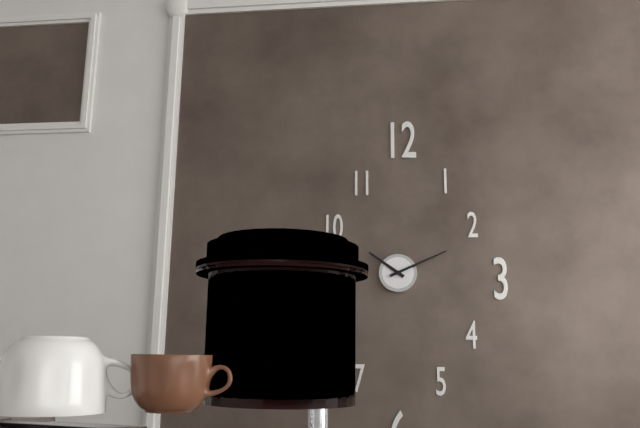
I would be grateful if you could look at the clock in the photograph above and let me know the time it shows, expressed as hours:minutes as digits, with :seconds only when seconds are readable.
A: 10:11
